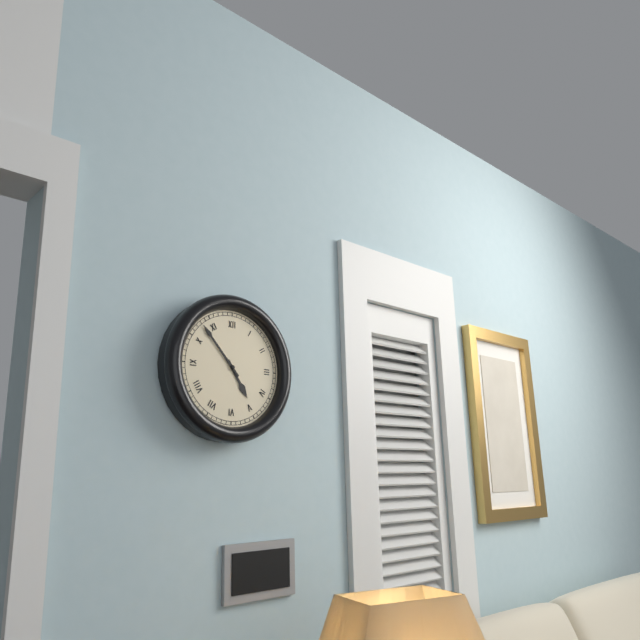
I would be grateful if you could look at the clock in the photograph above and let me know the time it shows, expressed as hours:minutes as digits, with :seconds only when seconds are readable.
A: 4:53
